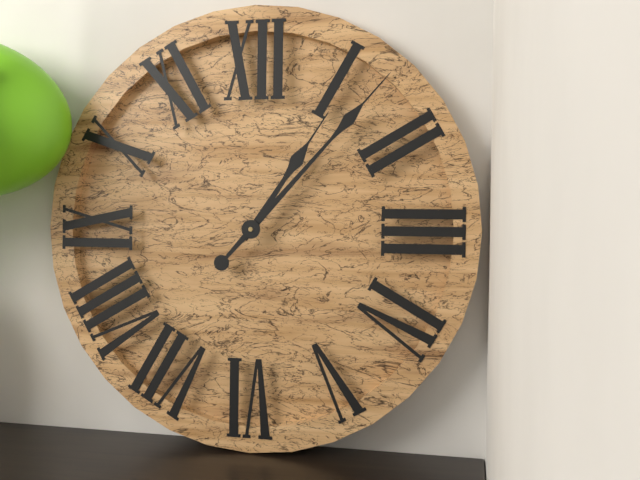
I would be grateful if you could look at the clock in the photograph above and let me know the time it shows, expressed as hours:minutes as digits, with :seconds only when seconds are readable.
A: 1:07
